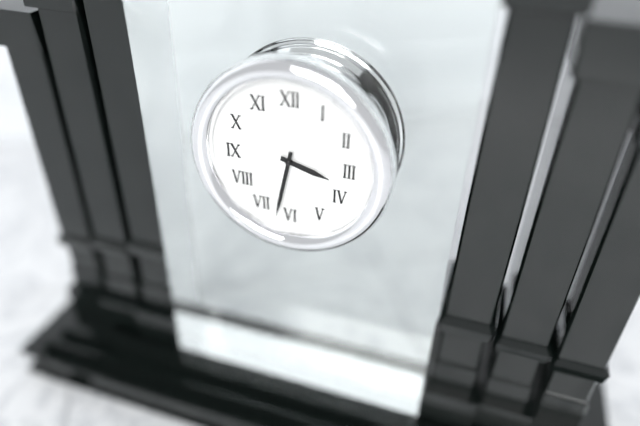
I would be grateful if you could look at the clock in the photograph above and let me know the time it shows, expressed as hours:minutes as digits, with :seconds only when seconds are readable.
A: 3:32
